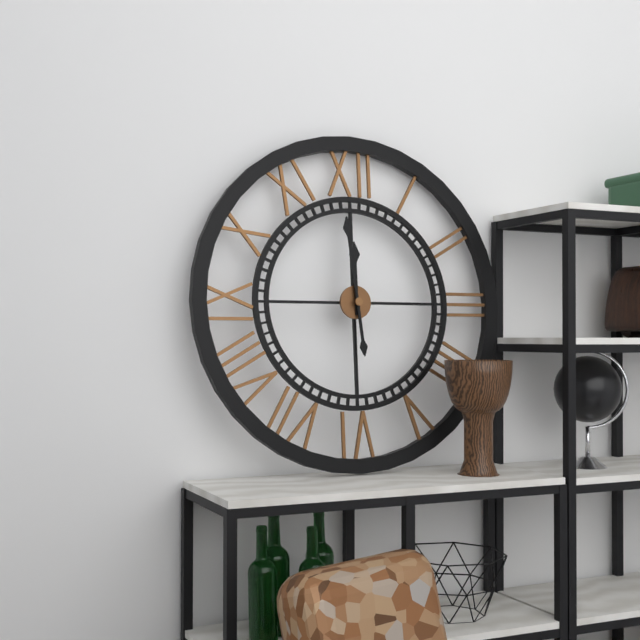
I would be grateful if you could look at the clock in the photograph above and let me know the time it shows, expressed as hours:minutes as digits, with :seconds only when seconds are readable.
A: 11:59
